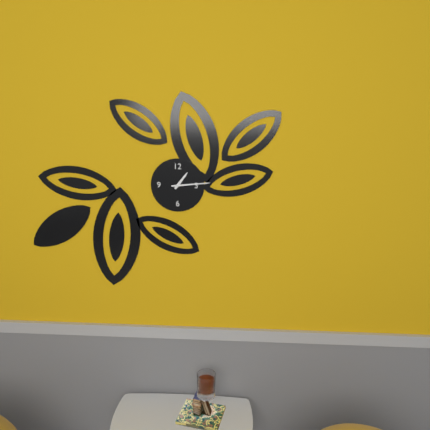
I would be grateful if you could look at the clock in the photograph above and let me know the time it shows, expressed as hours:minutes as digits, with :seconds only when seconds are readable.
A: 1:14
